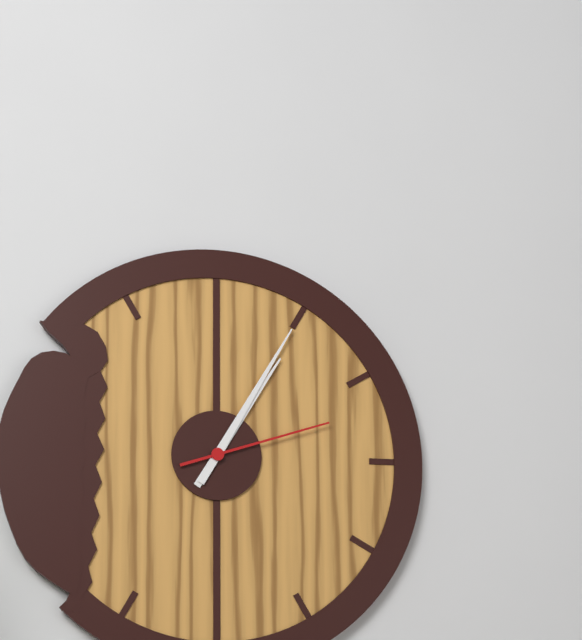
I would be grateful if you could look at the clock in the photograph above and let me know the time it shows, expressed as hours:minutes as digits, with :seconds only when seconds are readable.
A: 1:05:12
